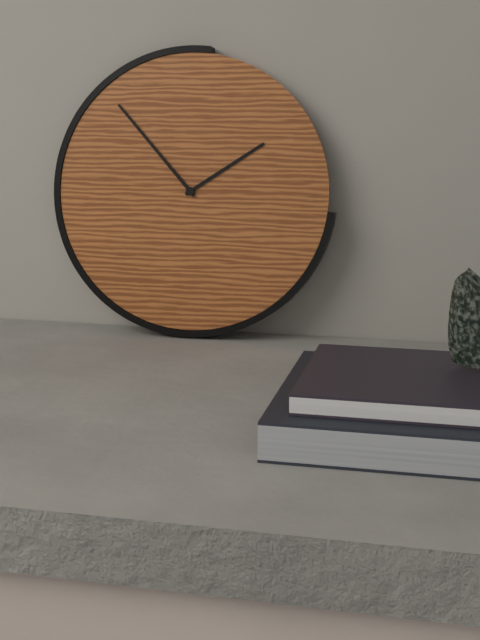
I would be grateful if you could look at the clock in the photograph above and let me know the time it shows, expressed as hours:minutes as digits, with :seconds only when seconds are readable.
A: 1:53
